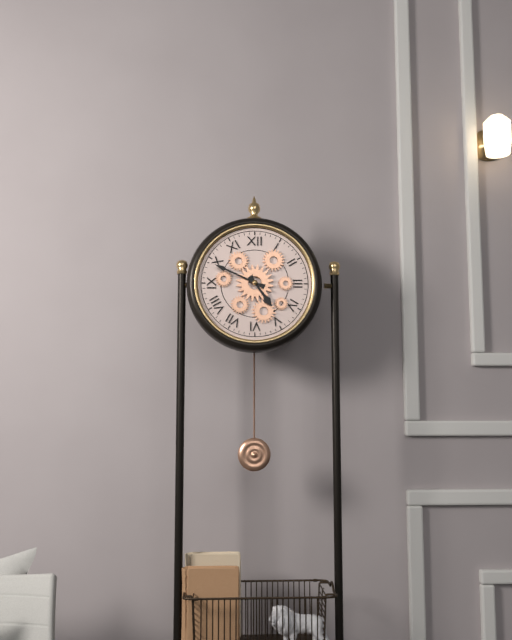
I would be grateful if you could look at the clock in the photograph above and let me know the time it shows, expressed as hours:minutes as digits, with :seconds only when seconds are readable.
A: 4:49
